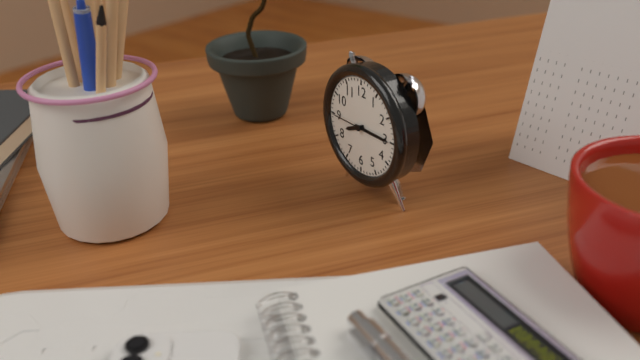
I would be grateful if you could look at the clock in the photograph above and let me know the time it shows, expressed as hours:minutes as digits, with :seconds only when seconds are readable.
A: 8:15
